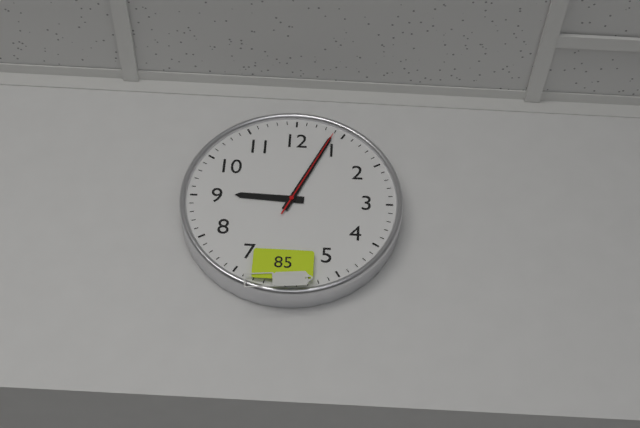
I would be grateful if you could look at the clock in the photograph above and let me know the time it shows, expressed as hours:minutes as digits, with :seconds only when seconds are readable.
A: 9:04:04
